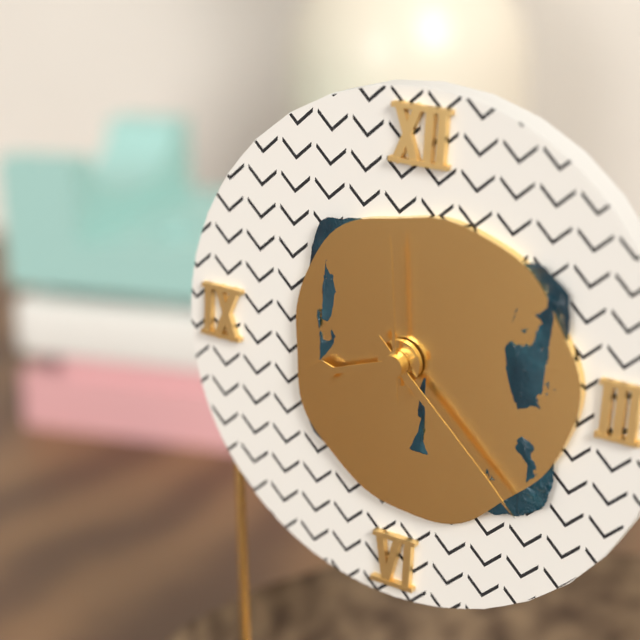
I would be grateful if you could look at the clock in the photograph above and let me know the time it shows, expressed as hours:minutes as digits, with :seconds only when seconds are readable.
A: 8:22:59
